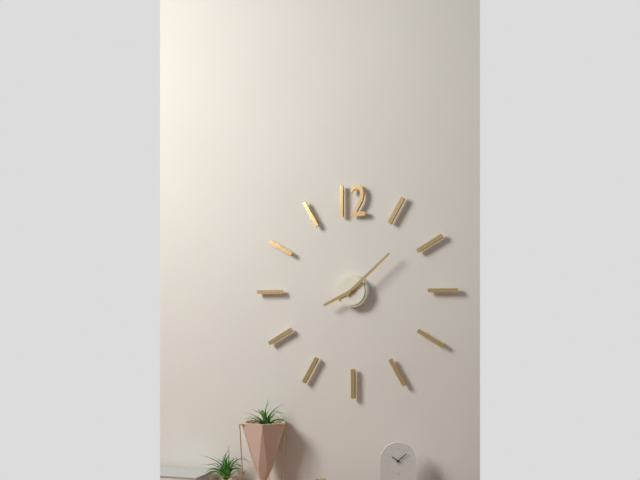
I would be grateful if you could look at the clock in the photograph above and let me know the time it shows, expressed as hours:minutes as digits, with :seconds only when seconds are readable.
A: 8:08
